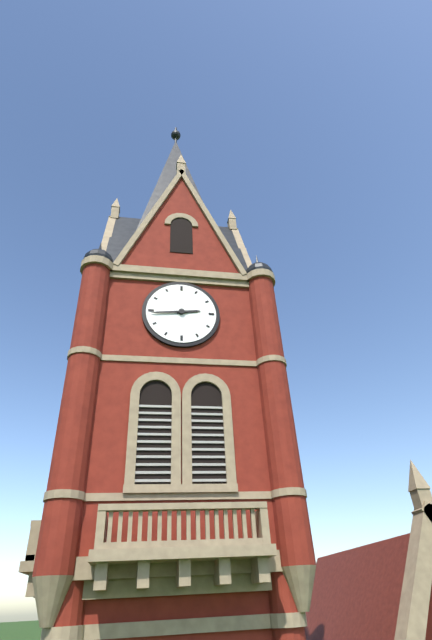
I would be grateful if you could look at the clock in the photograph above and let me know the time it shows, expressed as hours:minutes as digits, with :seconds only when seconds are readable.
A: 2:44
